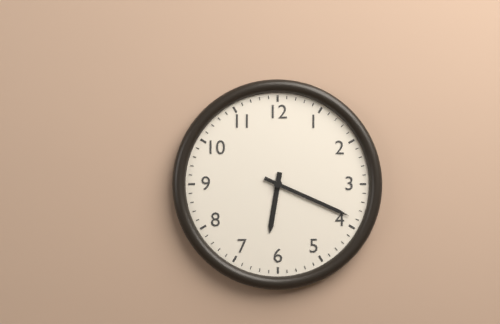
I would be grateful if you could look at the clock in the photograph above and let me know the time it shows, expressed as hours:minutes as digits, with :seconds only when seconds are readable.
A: 6:19
